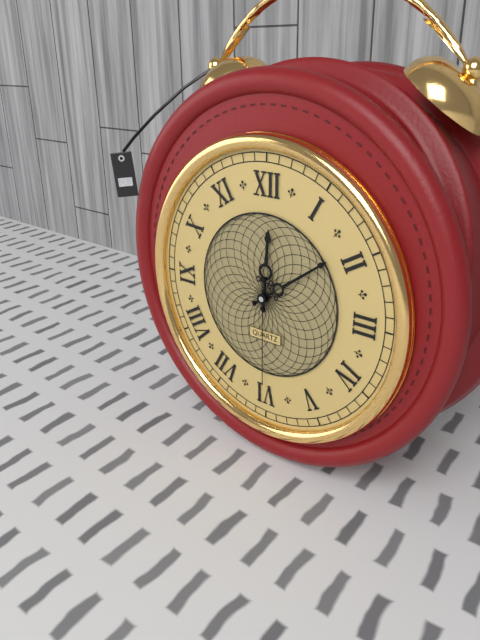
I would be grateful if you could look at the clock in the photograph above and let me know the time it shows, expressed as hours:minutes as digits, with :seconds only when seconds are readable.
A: 12:09:30
